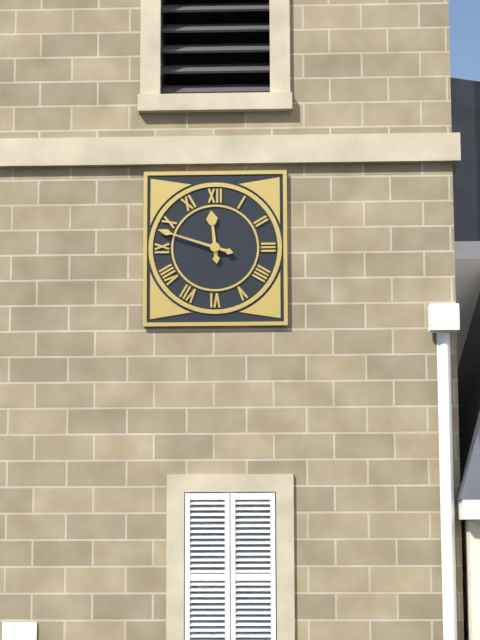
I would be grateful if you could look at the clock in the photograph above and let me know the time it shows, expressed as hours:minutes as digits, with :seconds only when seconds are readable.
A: 11:48
